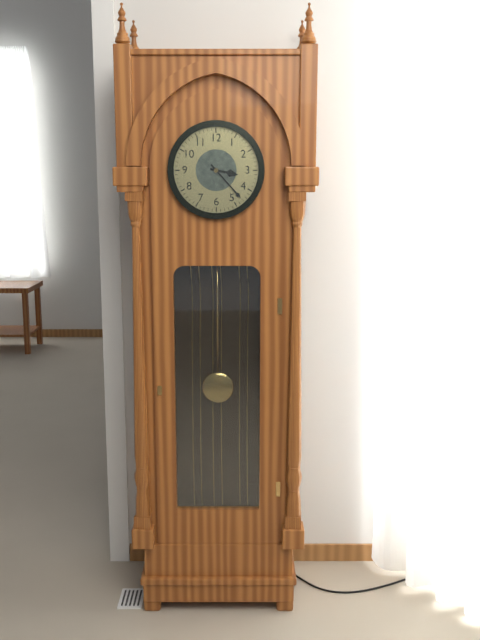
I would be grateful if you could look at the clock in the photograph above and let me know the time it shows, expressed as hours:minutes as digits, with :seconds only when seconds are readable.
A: 3:23
